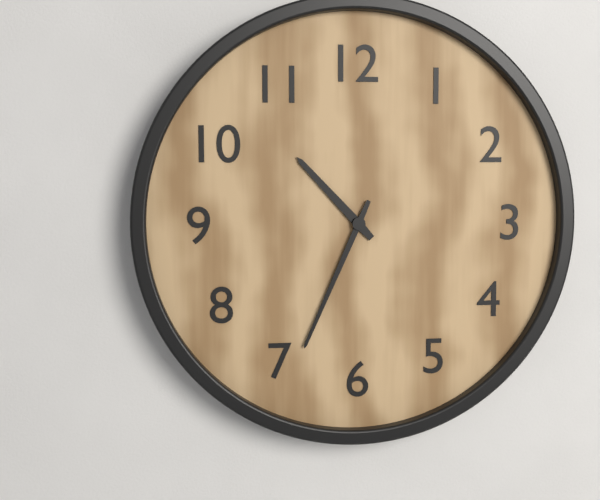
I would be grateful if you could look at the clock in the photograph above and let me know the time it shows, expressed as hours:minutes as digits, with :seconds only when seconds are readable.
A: 10:34
